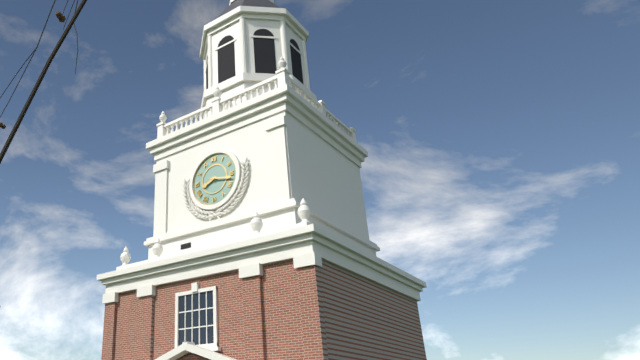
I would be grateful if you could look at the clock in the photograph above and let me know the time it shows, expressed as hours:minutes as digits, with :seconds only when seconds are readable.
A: 8:17
